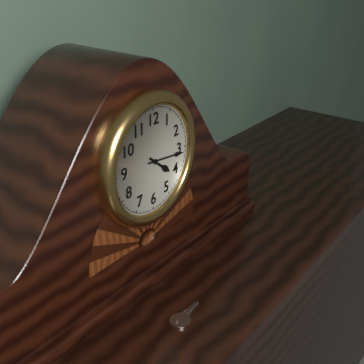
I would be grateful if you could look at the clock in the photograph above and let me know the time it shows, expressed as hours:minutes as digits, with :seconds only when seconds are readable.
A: 4:16
